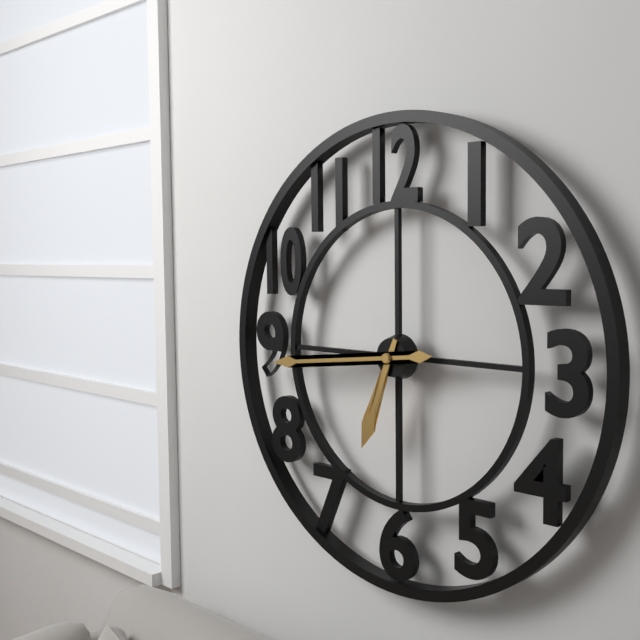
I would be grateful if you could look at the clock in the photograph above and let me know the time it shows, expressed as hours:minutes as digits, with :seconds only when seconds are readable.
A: 6:44
